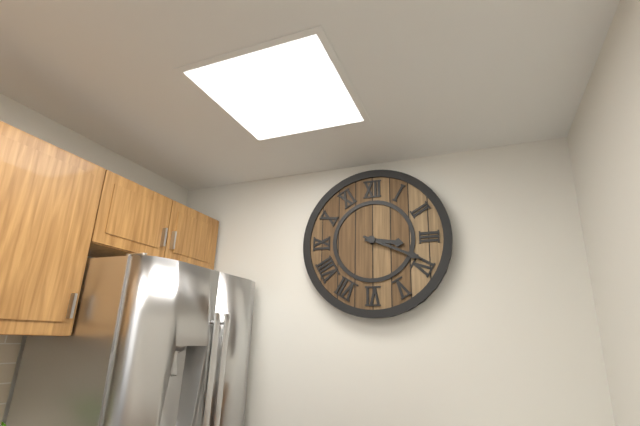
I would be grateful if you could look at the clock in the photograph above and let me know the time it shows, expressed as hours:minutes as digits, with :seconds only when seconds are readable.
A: 3:19
